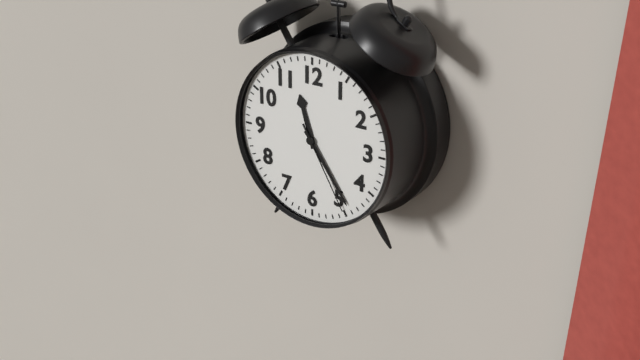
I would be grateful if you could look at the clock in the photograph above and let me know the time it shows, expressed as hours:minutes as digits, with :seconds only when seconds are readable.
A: 11:24:25
